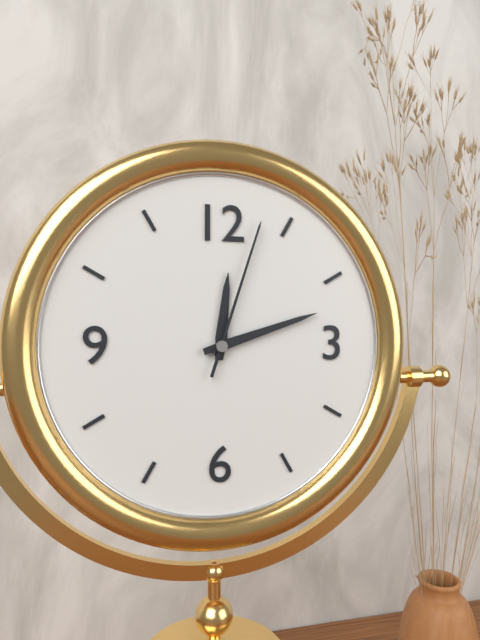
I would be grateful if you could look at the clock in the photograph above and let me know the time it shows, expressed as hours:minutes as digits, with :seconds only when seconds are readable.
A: 12:12:03
